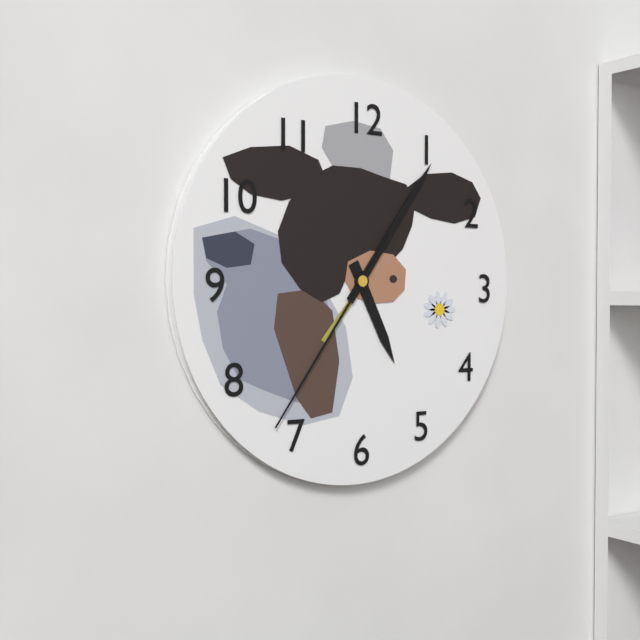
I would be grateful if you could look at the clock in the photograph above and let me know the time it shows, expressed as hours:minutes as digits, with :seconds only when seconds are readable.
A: 5:06:36
